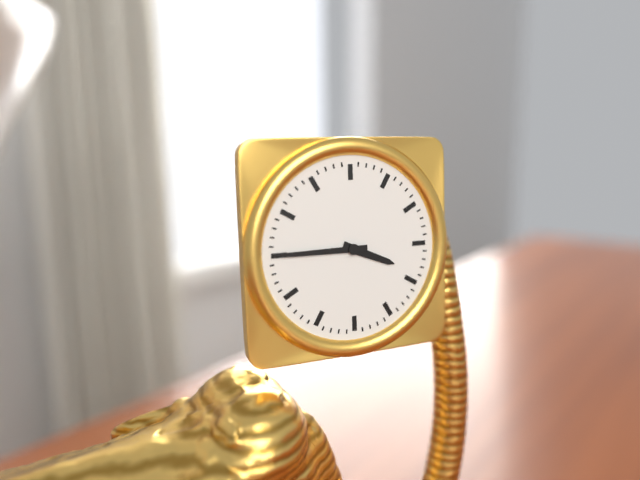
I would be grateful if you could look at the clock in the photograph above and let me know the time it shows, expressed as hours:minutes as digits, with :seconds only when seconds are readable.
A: 3:45
